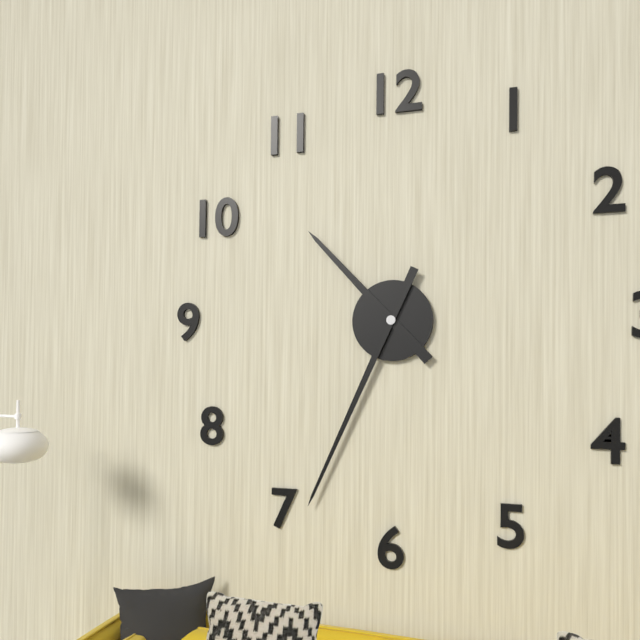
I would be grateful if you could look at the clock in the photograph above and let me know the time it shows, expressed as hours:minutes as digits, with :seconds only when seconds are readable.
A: 10:34
